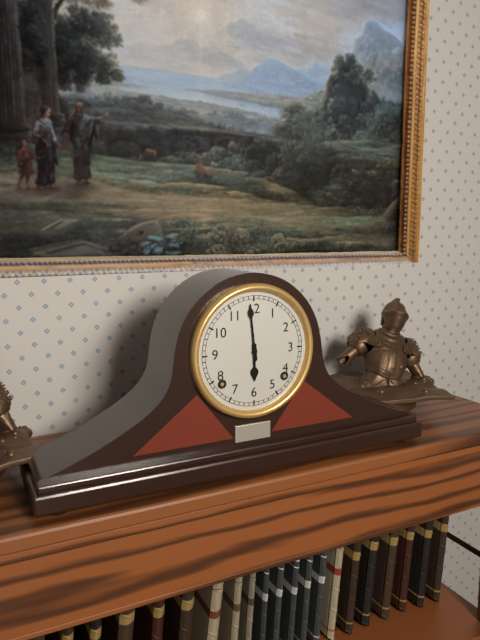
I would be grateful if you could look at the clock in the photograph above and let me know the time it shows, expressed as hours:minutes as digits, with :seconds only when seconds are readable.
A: 5:59
